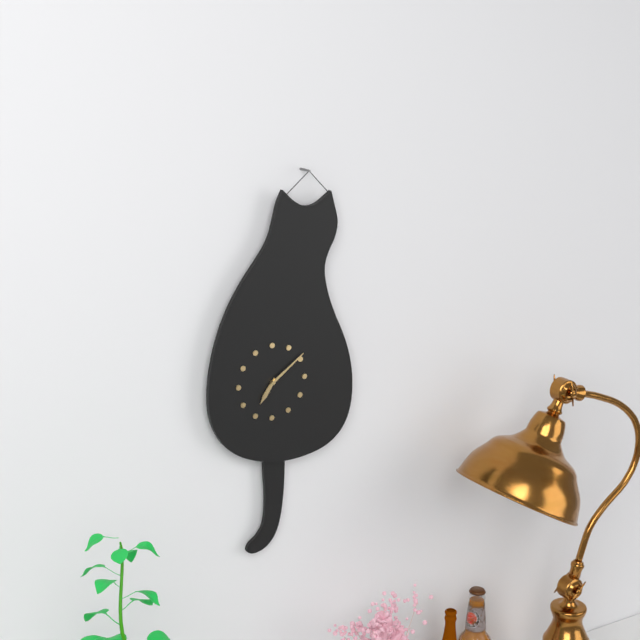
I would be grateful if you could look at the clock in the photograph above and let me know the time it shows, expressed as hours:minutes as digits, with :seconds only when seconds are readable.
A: 7:09
